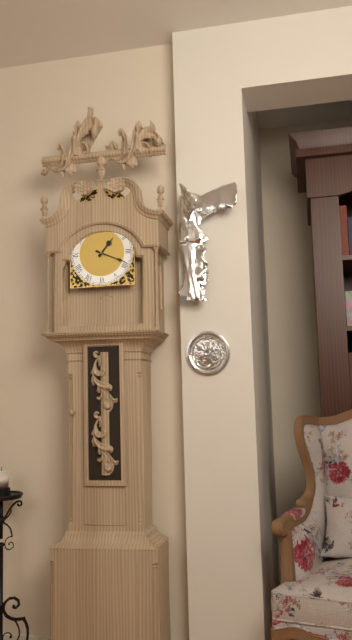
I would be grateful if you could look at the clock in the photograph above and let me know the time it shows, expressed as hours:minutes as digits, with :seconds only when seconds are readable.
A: 1:19
